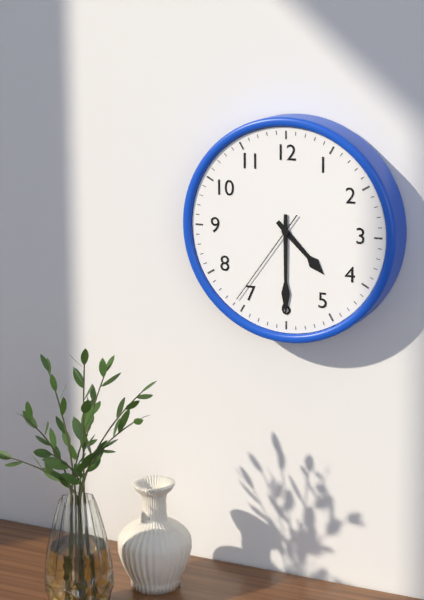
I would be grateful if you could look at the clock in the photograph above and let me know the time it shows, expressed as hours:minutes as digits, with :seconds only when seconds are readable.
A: 4:30:36
